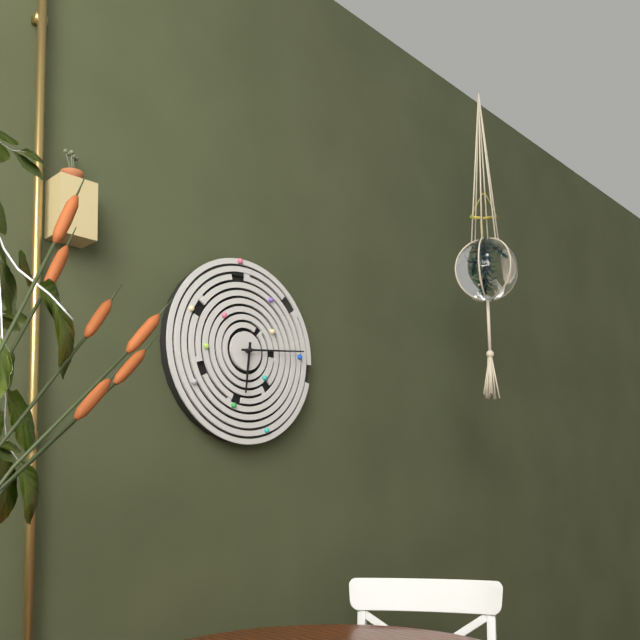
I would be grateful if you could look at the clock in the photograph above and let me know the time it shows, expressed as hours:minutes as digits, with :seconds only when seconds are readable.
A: 6:14
